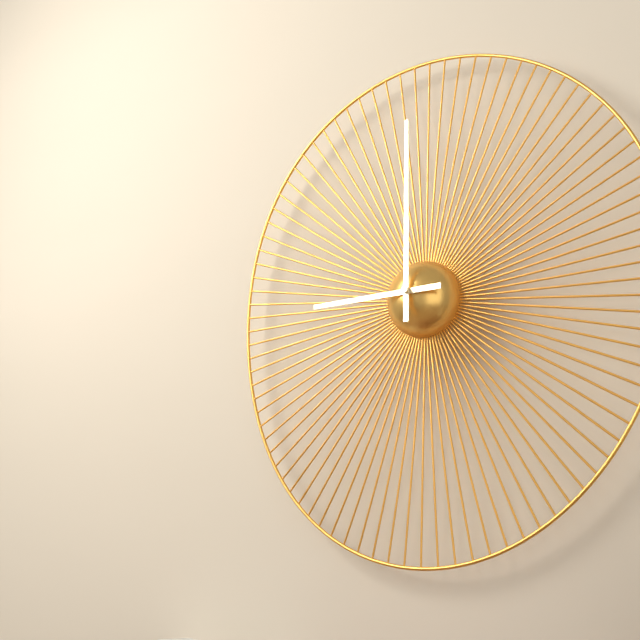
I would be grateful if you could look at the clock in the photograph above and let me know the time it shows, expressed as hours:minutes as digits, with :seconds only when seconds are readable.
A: 9:00
